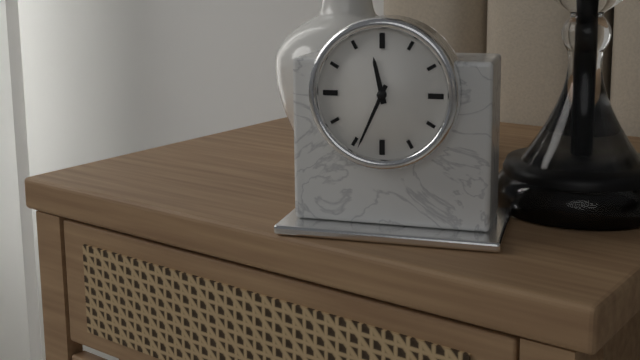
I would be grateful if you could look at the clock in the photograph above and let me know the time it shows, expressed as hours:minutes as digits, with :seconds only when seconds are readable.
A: 11:34
